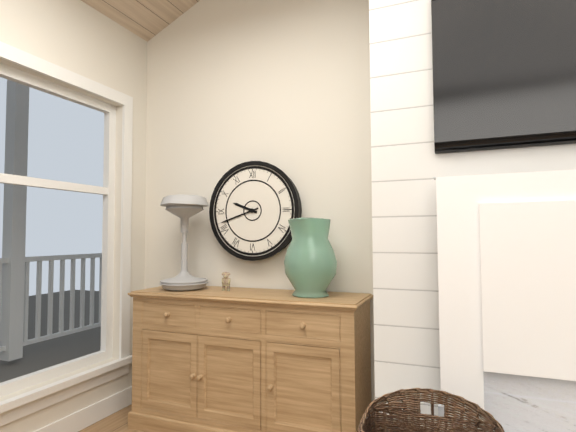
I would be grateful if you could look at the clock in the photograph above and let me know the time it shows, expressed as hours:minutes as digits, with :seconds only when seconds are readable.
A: 9:42
